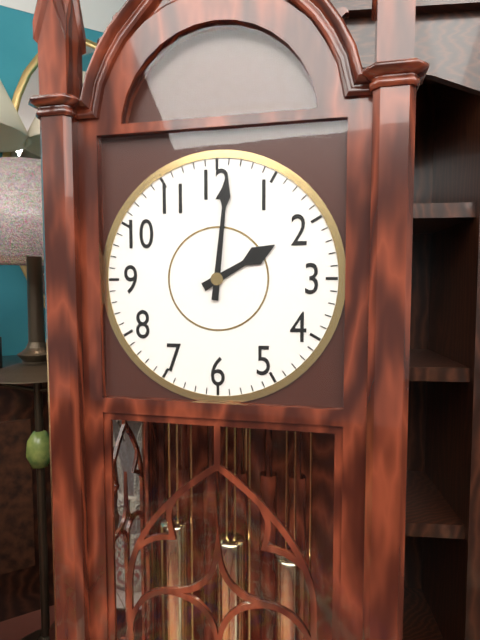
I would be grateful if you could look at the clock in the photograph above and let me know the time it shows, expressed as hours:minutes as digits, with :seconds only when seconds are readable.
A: 2:01
